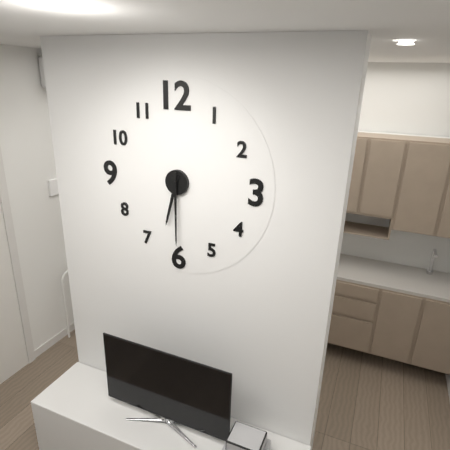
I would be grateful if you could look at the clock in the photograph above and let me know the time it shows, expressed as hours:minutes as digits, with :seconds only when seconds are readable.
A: 6:30
